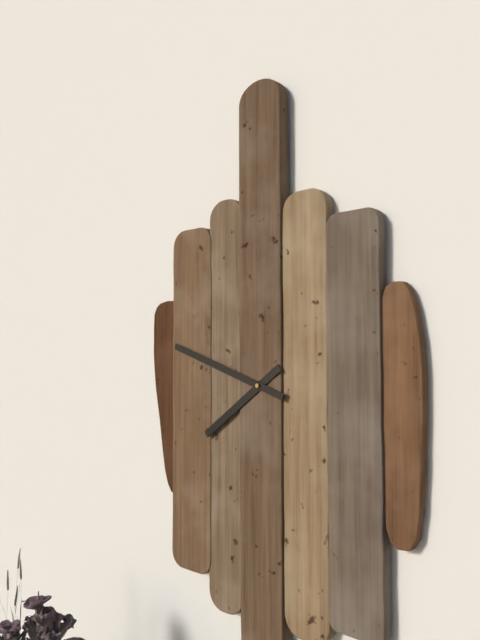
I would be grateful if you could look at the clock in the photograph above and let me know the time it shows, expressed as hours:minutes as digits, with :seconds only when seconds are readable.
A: 7:48
